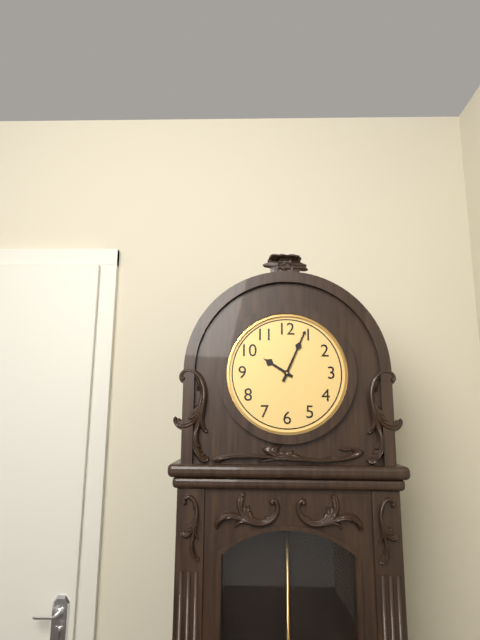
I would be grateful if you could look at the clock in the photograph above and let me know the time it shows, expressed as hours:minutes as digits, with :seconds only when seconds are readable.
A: 10:04
